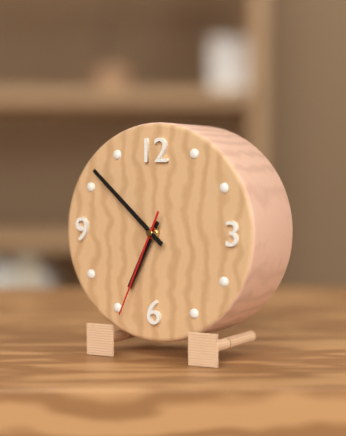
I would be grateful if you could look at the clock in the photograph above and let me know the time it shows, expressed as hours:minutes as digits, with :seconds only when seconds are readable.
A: 6:52:34
